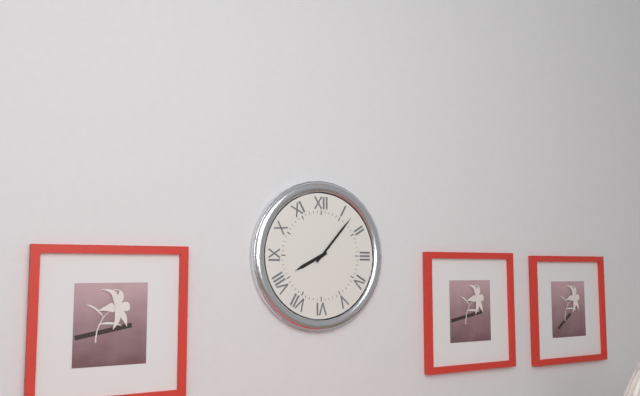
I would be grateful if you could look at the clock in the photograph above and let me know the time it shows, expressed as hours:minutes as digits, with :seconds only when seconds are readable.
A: 8:07
